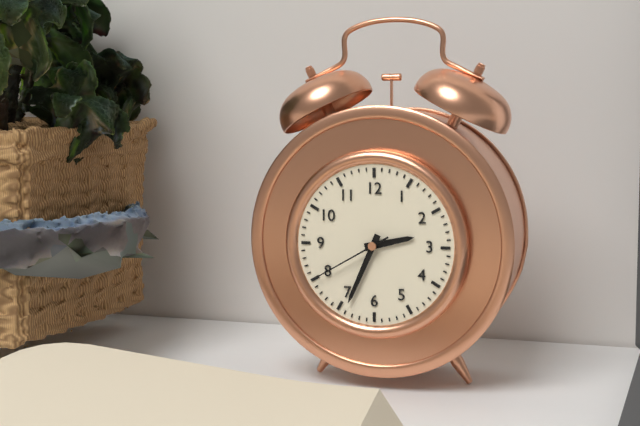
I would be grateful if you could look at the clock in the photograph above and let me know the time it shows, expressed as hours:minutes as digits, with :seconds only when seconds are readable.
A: 2:34:40
